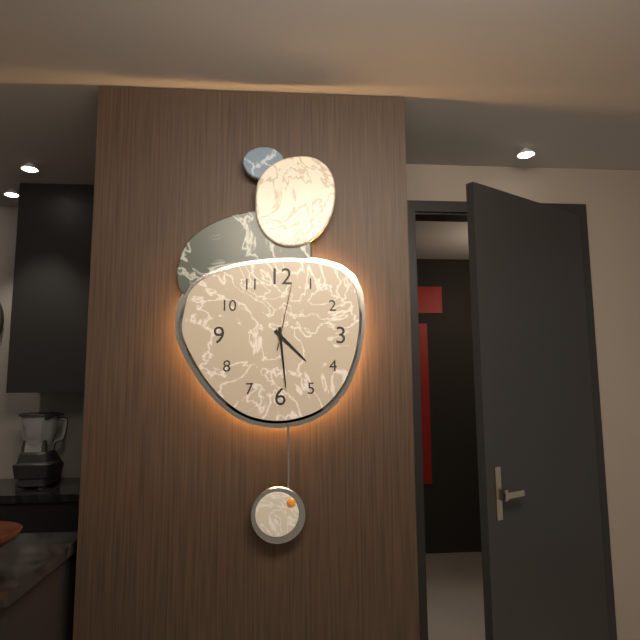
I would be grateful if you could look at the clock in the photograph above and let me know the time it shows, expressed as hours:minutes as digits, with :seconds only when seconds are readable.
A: 4:29:02
